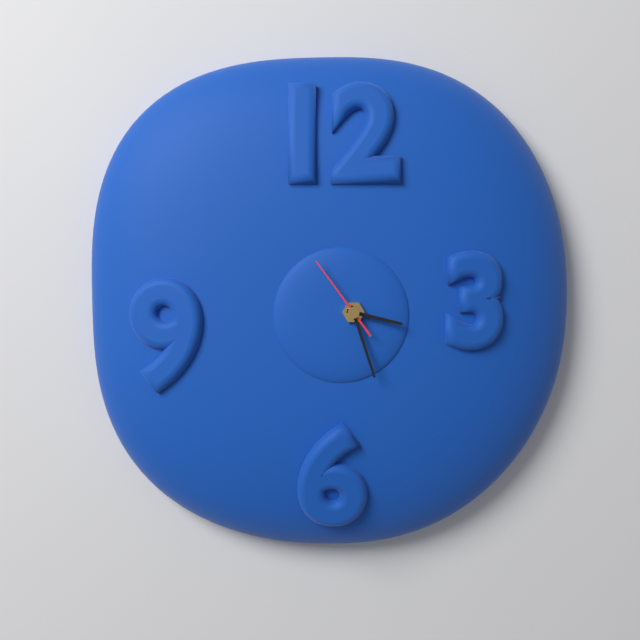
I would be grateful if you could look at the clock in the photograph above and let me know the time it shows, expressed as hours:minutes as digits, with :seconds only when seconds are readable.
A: 3:27:54
